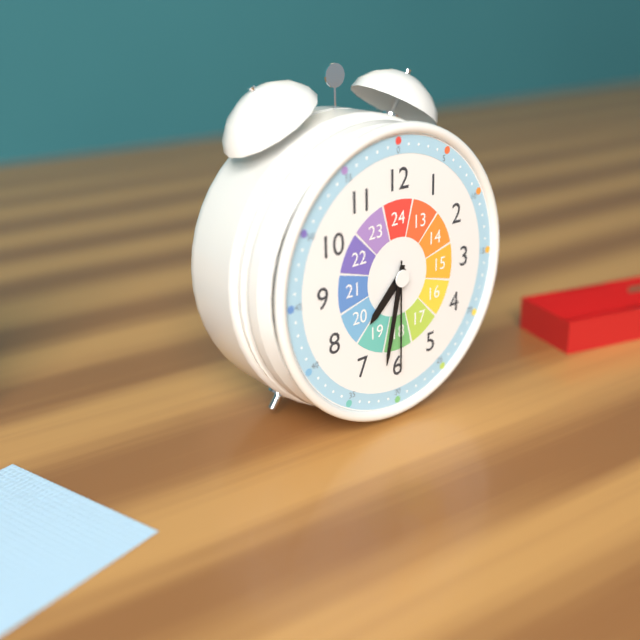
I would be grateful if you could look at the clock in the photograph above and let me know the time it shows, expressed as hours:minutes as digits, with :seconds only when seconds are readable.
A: 7:32:30
